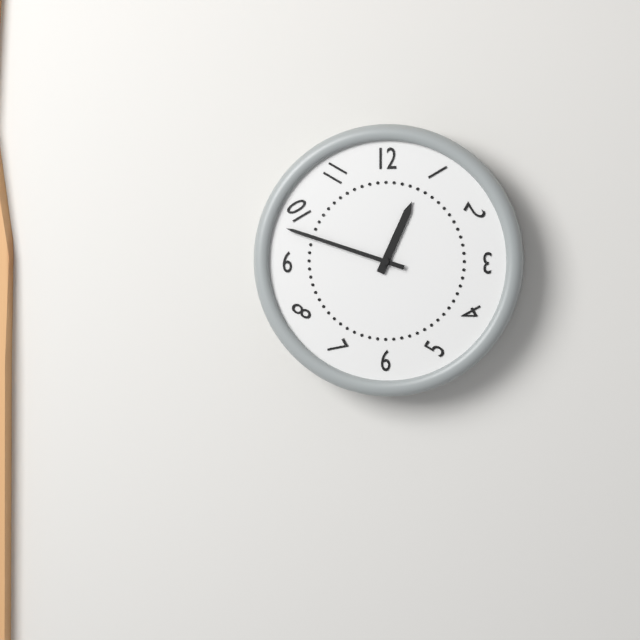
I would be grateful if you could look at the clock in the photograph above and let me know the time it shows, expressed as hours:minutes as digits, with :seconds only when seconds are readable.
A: 12:48
